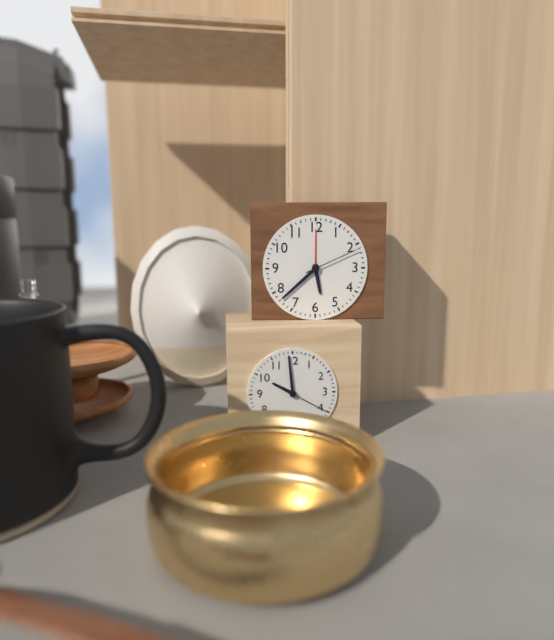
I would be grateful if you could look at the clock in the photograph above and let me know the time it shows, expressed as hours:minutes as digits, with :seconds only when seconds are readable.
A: 5:38:11
